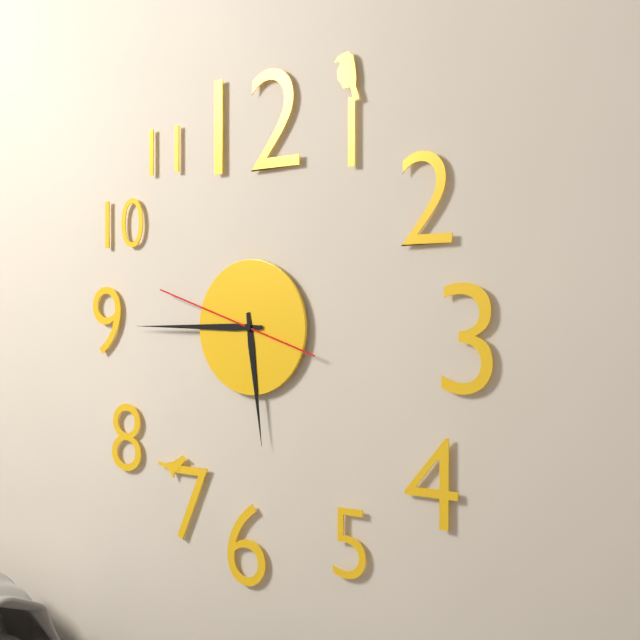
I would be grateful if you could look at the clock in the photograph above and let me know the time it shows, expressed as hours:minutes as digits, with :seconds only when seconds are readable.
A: 5:45:48
